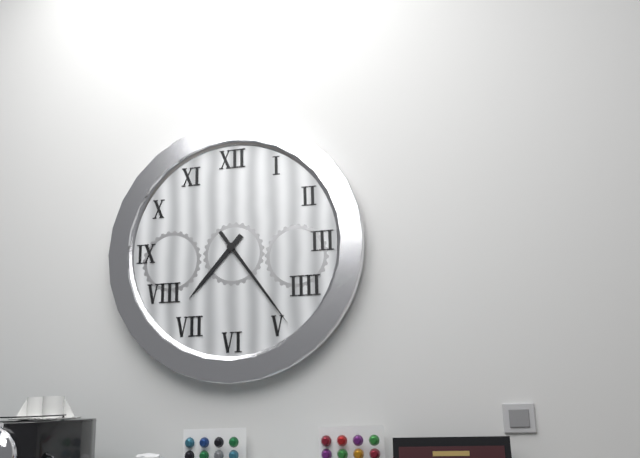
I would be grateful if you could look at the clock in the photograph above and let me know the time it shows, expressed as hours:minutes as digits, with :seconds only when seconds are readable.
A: 7:24
